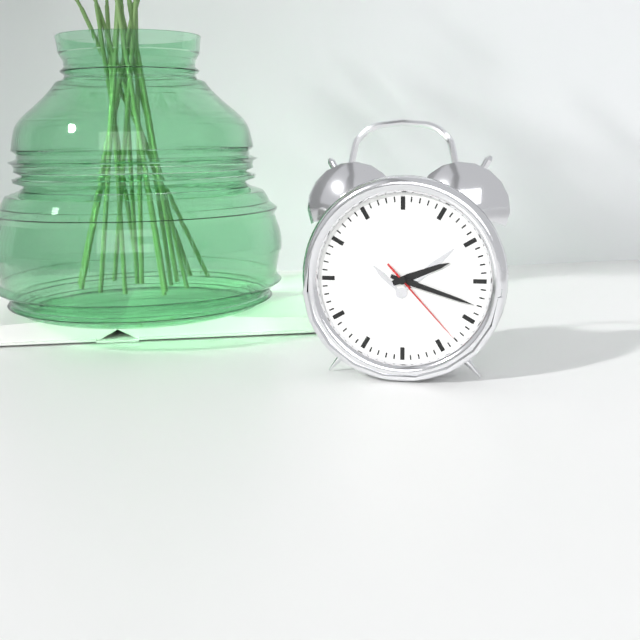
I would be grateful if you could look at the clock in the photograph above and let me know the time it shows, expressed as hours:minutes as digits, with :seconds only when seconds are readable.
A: 2:18:23
